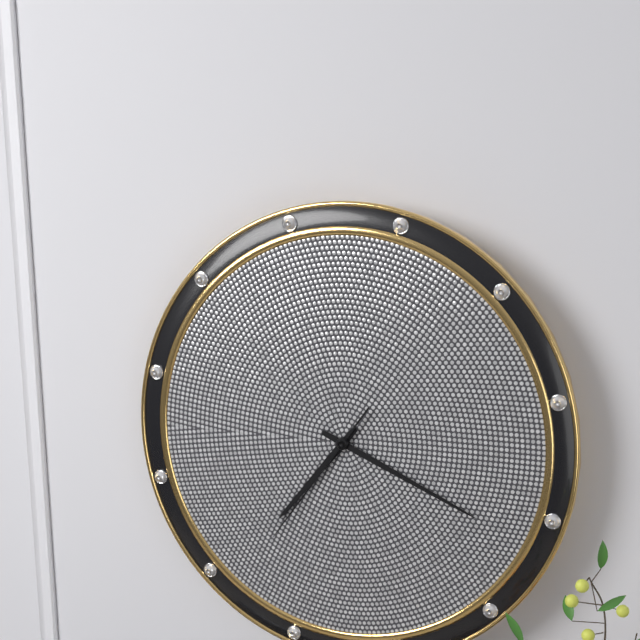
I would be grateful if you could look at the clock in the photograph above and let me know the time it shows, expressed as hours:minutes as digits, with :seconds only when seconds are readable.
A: 7:19:36
